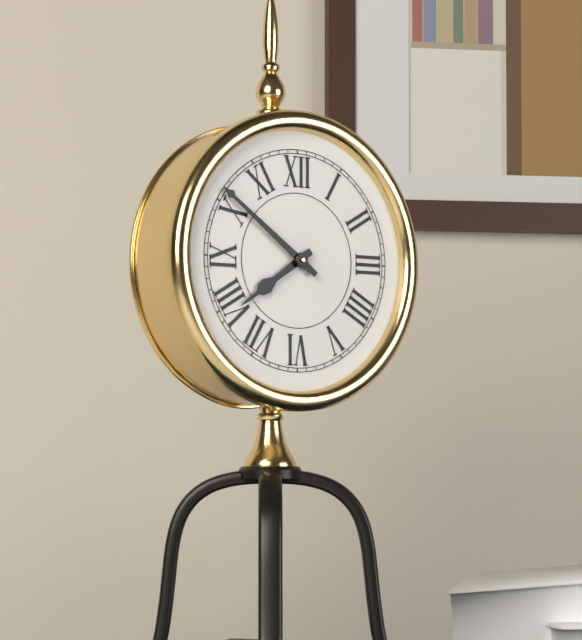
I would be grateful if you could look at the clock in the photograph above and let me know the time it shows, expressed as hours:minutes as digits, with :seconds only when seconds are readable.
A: 7:51
